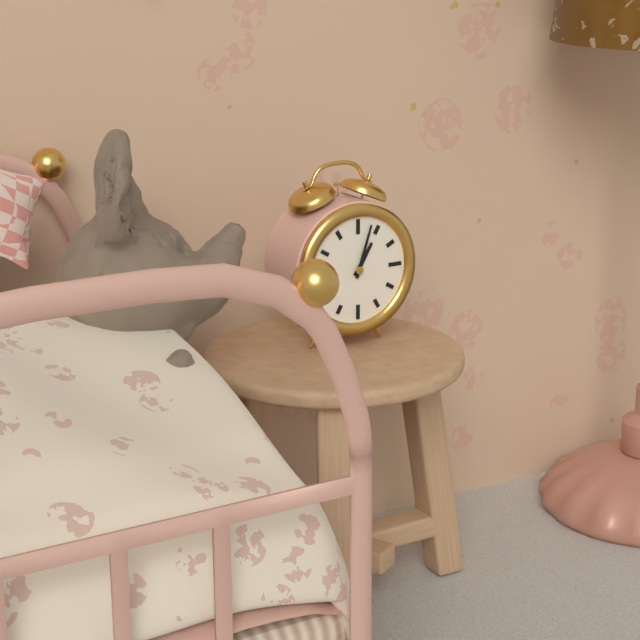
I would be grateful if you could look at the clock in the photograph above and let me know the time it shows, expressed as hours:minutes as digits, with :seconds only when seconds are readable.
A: 1:03
